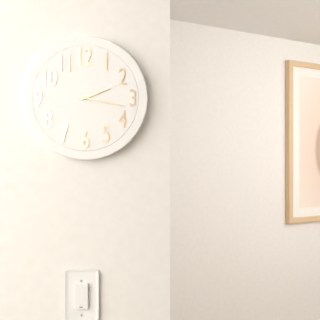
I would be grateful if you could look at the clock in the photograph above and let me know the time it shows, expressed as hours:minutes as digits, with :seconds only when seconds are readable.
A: 2:17
